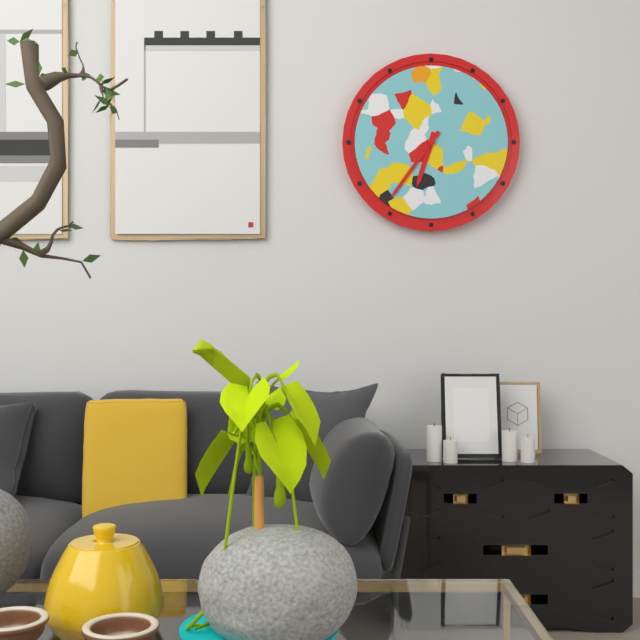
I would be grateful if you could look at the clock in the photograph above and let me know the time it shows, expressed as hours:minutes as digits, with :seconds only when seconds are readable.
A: 6:36
